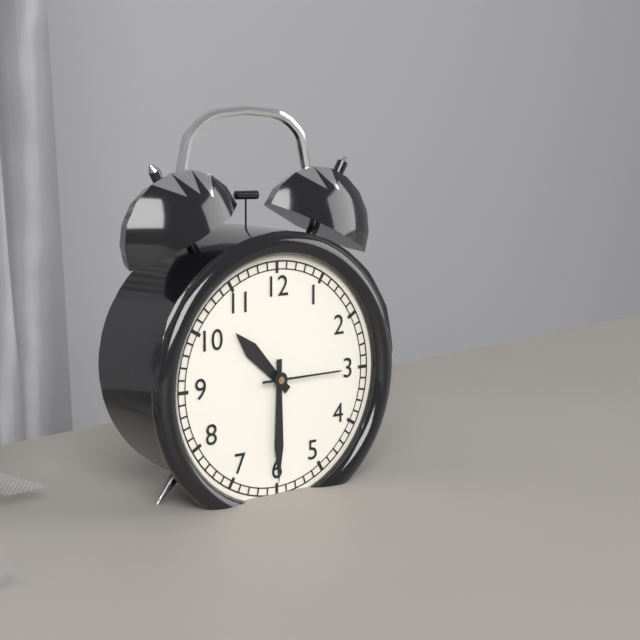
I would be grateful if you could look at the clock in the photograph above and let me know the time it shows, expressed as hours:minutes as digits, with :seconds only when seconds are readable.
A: 10:30:15
